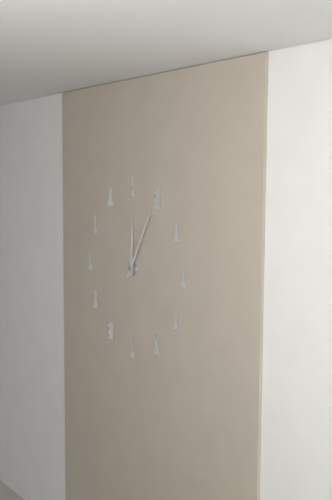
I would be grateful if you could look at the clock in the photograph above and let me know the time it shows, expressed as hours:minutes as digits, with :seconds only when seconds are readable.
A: 12:05
